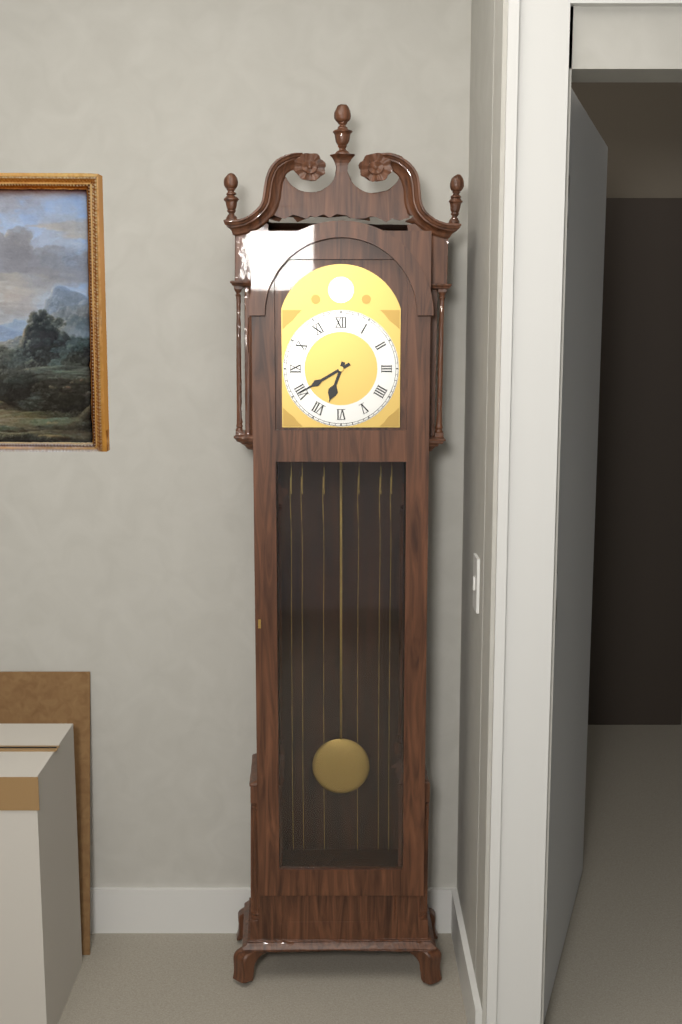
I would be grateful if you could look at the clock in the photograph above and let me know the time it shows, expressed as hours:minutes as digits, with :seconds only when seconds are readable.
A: 6:40
